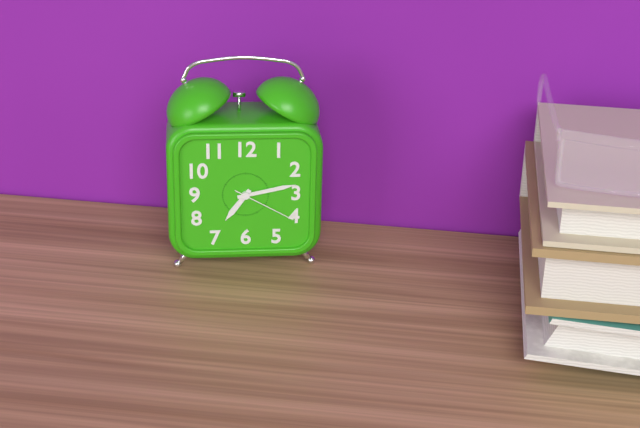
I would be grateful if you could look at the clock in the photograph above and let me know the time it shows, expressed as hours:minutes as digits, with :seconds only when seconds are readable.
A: 7:13:20
